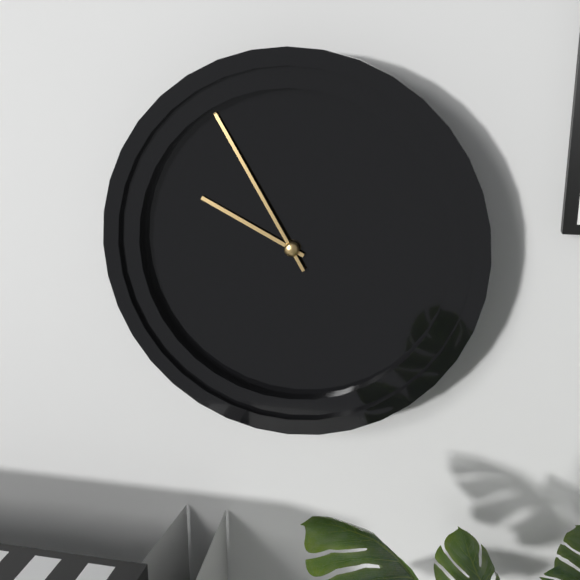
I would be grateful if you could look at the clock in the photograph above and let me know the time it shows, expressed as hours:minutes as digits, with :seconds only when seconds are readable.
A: 9:55
